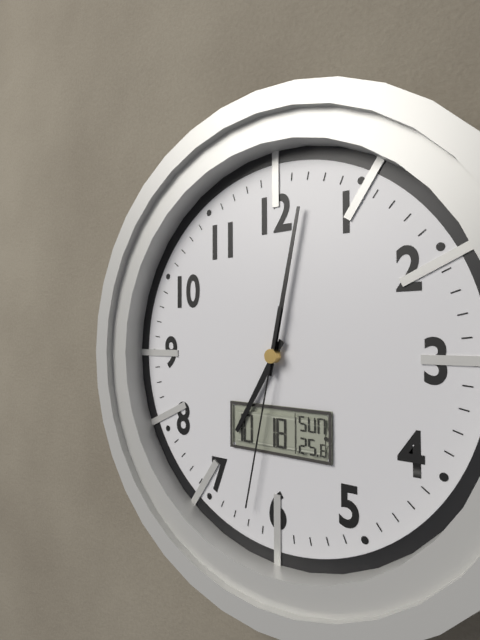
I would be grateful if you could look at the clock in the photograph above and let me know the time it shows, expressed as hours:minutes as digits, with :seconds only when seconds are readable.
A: 7:02:32
